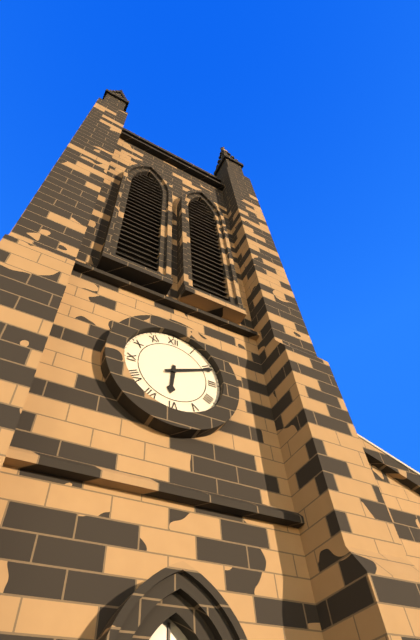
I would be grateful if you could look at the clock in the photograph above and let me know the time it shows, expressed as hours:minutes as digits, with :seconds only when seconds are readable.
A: 6:11
